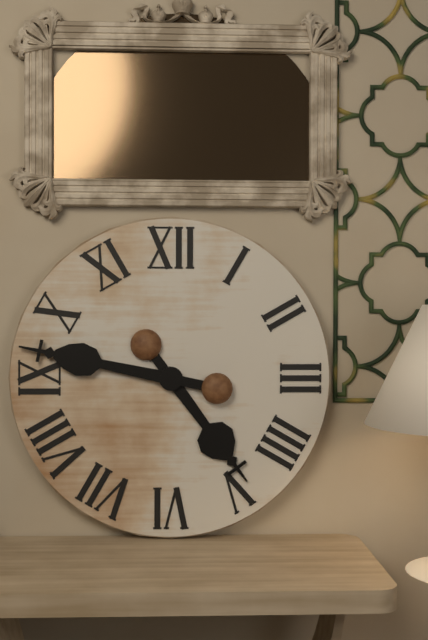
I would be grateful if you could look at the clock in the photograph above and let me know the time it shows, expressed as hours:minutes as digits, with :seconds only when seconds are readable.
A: 4:47
